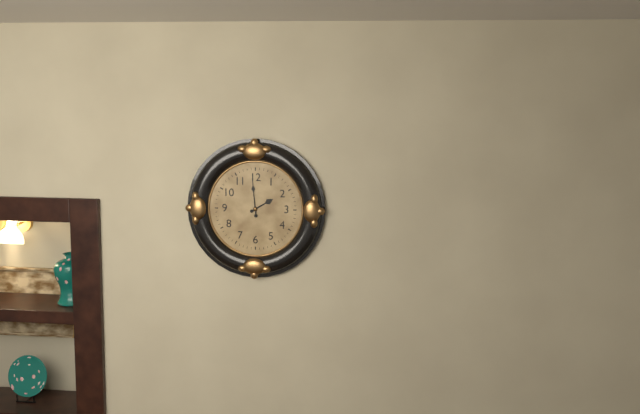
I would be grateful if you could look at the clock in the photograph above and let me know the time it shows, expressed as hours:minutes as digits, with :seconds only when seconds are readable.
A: 1:59
